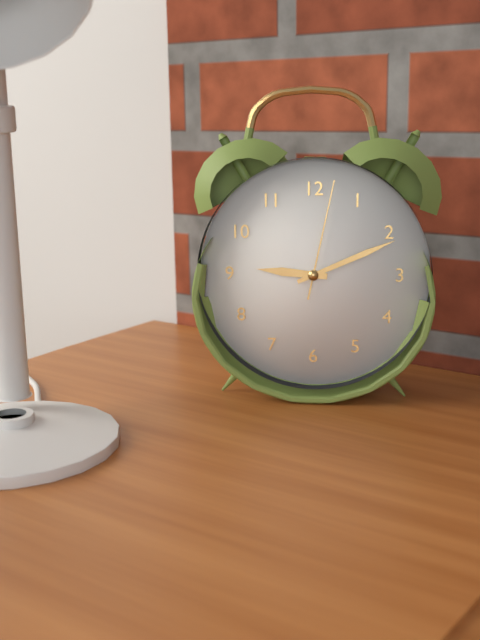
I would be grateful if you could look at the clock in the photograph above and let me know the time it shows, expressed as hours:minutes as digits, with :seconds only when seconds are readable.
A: 9:11:02
